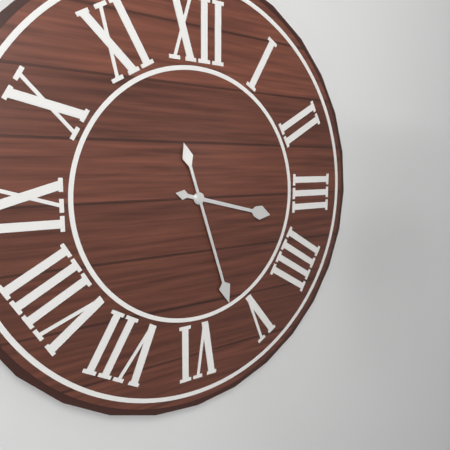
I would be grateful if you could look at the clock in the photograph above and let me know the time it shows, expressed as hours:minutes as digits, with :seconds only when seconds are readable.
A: 3:27
